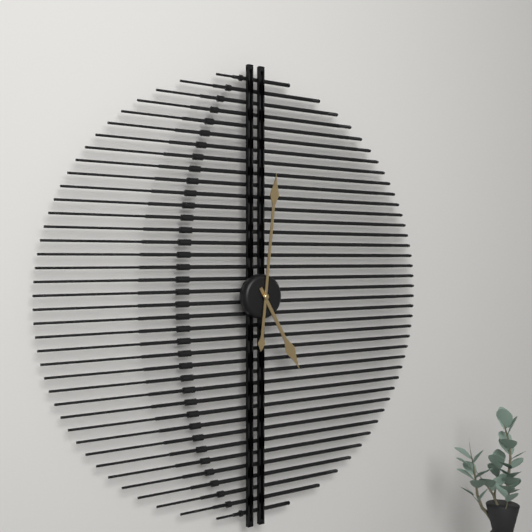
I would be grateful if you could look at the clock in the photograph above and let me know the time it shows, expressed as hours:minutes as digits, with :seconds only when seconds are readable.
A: 5:01
